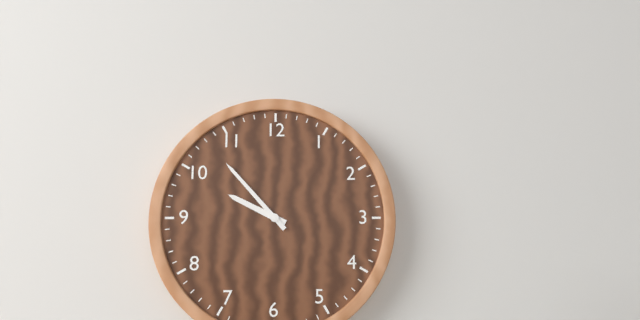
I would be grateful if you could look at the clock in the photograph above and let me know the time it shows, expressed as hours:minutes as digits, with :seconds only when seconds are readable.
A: 9:53
